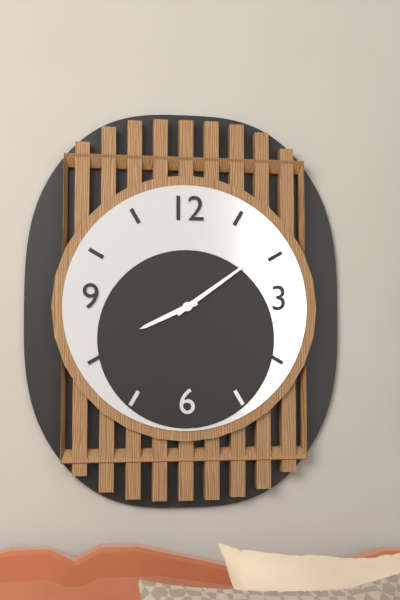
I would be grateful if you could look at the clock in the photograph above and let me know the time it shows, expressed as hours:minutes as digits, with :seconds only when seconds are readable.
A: 8:09
